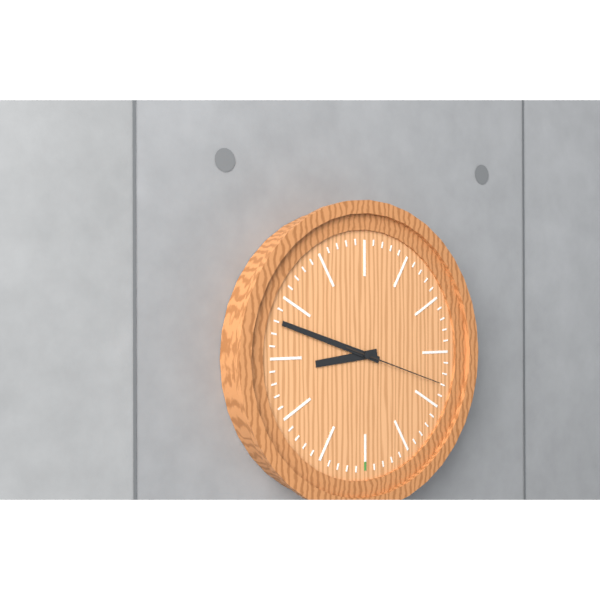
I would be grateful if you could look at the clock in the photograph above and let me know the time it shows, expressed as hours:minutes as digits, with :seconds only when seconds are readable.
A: 8:48:18
